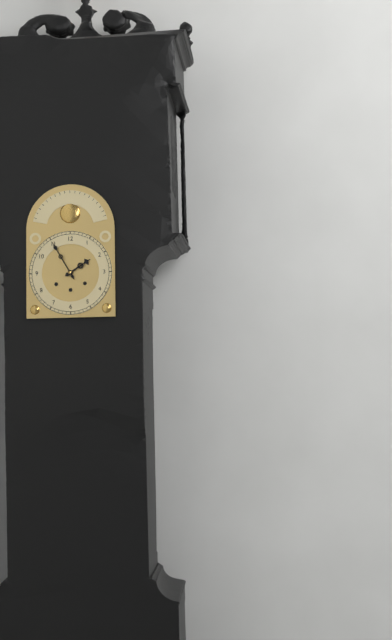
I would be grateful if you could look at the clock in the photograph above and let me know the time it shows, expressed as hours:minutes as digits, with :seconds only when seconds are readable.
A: 1:55
